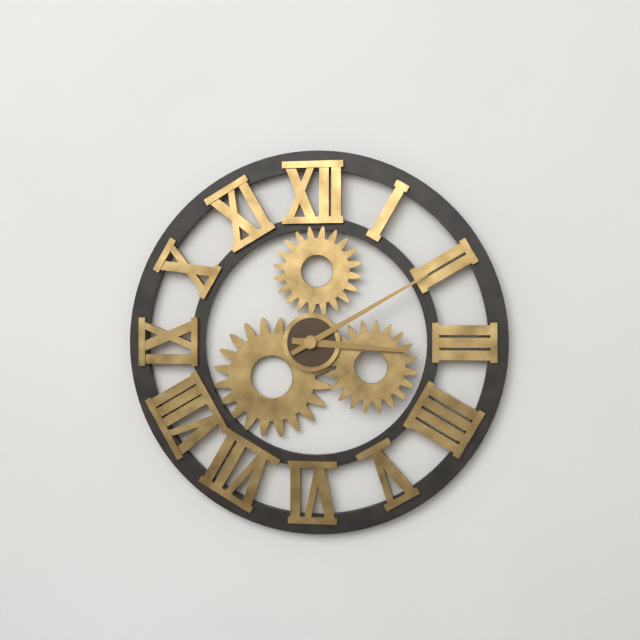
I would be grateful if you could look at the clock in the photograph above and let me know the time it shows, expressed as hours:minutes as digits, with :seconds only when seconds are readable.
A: 3:10
